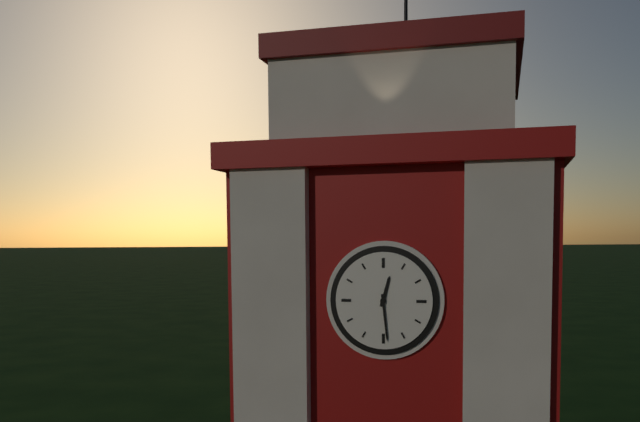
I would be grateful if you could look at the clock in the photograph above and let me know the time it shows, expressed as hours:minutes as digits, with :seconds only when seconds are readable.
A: 12:29
